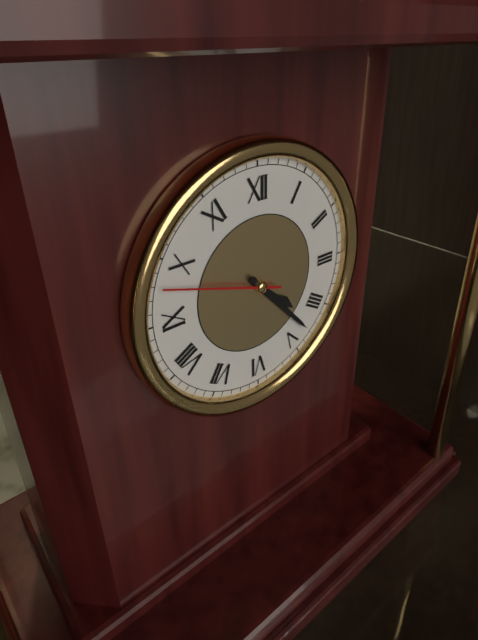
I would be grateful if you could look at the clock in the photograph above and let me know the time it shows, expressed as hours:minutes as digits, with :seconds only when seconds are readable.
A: 4:23:48
